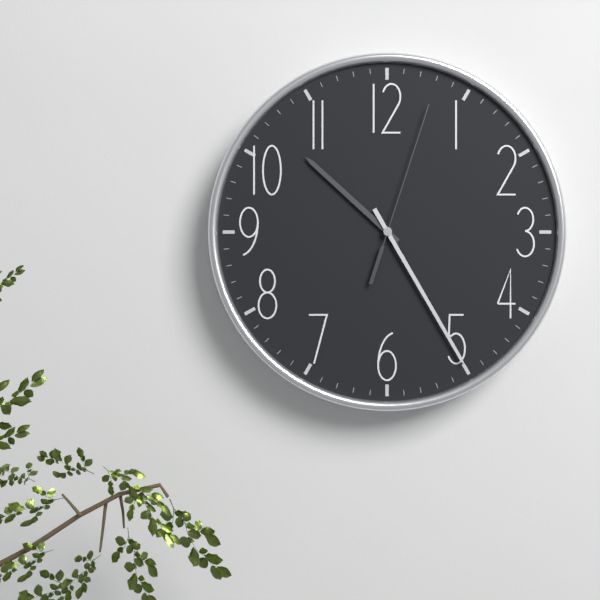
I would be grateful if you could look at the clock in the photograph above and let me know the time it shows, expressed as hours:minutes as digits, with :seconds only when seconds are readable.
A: 10:25:03
